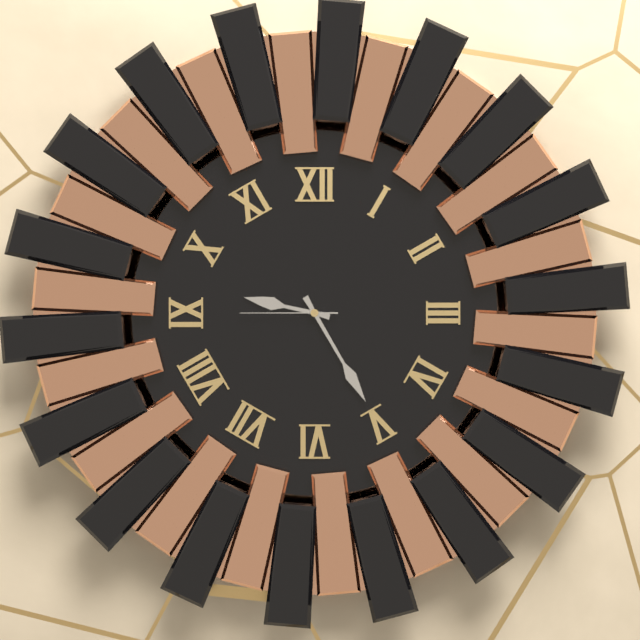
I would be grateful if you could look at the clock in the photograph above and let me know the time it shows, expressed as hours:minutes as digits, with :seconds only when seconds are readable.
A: 9:25:45
